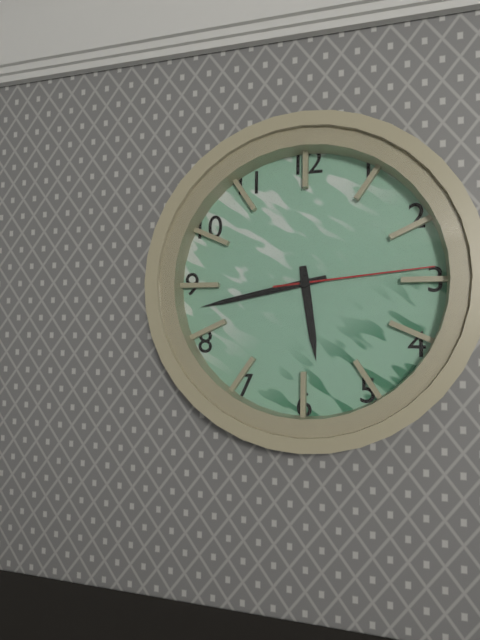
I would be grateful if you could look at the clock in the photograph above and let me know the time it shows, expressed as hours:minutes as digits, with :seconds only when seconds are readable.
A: 5:43:14
